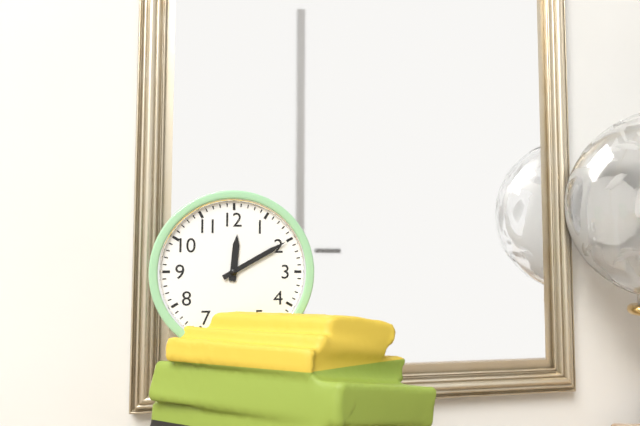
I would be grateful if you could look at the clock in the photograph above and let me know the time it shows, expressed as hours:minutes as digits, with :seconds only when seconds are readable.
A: 12:10
